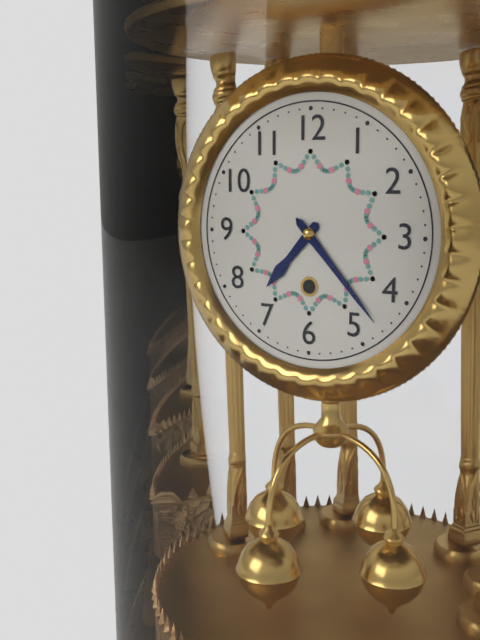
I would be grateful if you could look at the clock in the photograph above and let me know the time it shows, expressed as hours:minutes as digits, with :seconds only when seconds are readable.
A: 7:23
